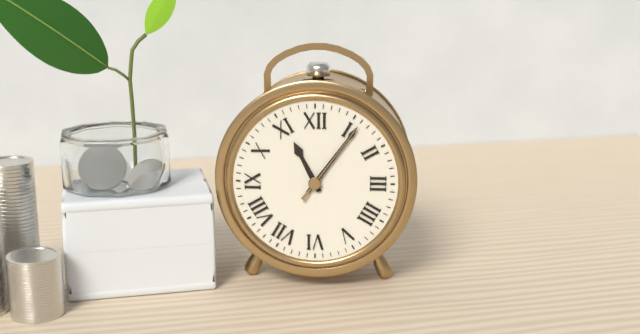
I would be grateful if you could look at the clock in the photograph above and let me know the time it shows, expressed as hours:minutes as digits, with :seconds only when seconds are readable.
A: 11:06:06
